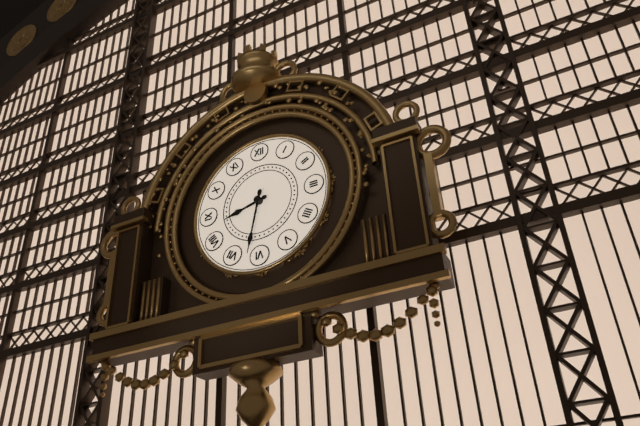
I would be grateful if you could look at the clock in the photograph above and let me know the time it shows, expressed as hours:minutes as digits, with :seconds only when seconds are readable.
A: 8:32
